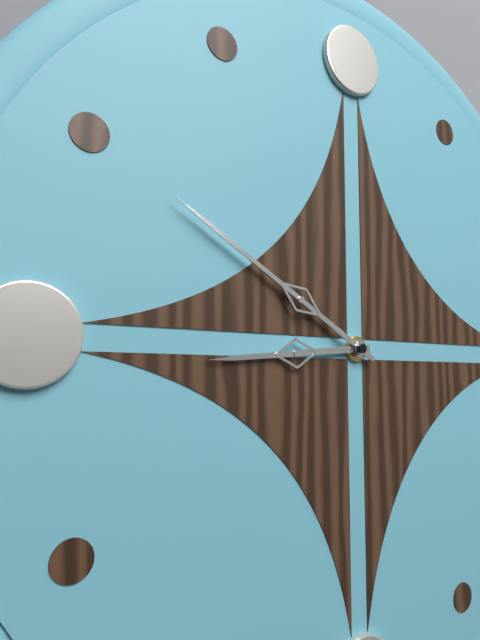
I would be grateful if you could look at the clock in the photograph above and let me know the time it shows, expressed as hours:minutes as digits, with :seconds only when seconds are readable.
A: 8:50
